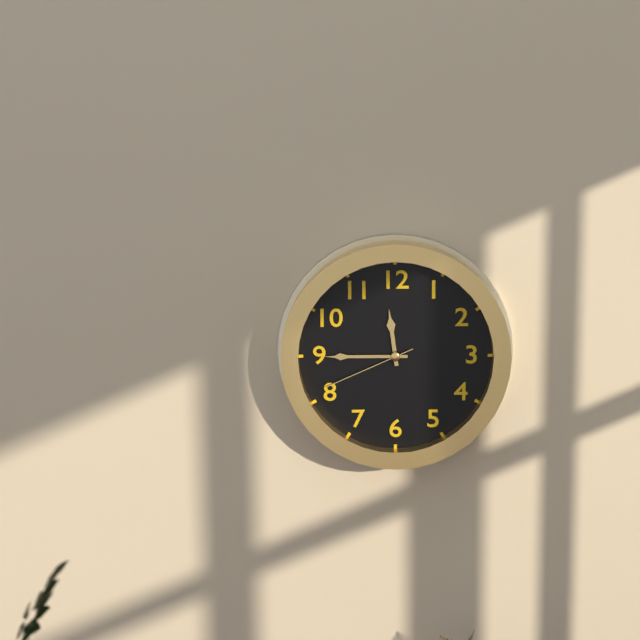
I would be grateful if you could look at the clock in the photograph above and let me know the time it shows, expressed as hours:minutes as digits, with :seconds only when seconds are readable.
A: 11:45:41
